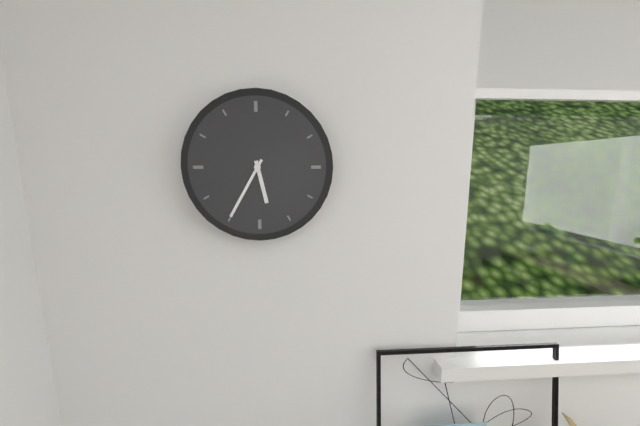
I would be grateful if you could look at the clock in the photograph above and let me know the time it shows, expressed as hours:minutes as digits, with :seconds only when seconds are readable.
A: 5:35
